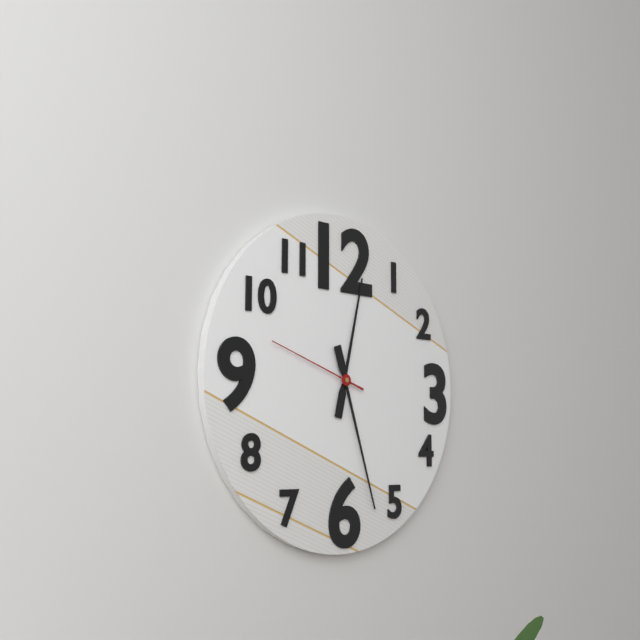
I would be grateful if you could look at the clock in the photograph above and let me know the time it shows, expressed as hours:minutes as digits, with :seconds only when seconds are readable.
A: 12:27:48
